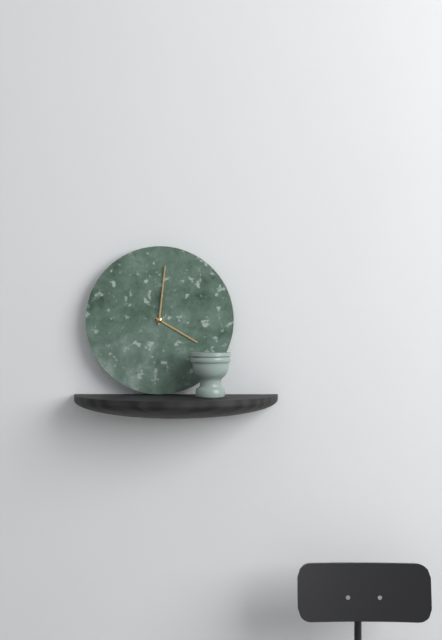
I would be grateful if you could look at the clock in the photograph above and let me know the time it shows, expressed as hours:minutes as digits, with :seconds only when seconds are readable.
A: 4:01
